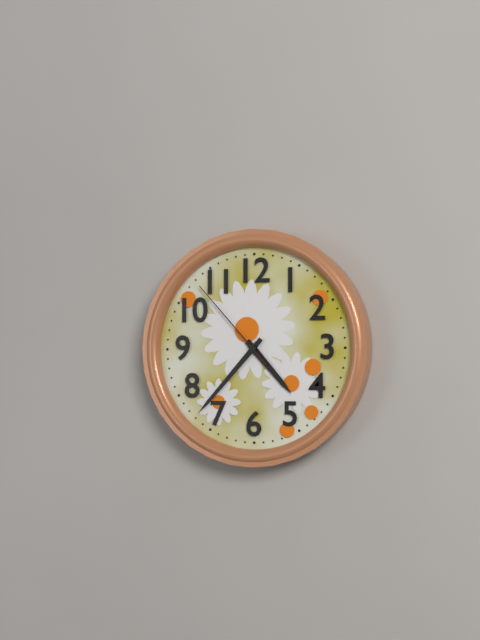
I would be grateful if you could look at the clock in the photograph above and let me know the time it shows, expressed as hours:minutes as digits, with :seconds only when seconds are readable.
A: 4:37:53
